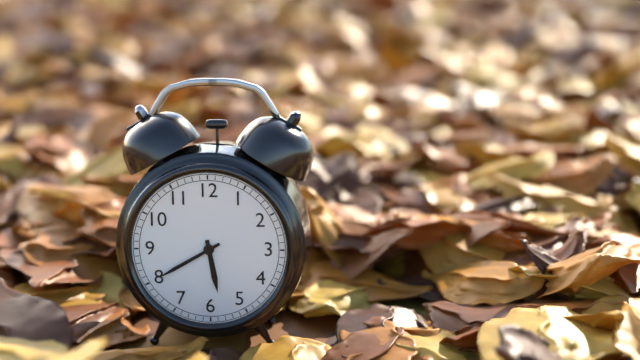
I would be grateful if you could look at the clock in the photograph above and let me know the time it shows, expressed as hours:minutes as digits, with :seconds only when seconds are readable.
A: 5:40
